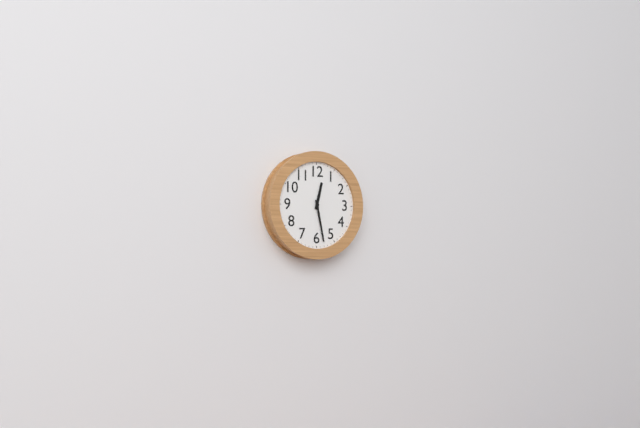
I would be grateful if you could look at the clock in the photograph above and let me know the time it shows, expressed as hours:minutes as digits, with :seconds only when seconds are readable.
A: 12:28
